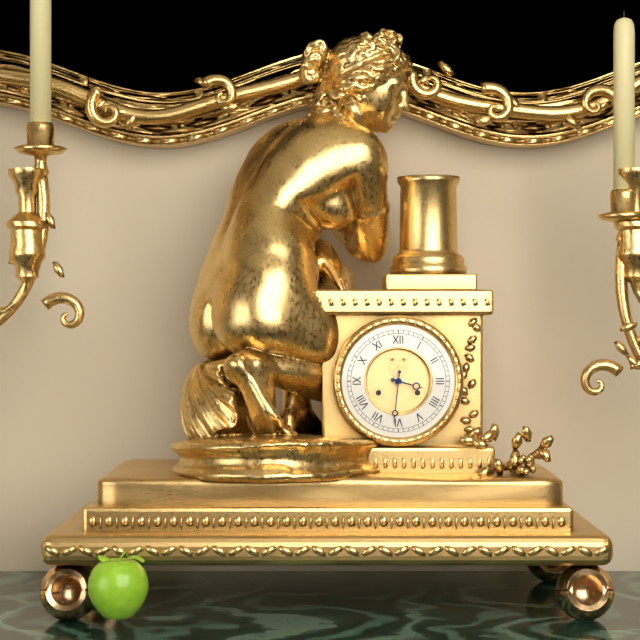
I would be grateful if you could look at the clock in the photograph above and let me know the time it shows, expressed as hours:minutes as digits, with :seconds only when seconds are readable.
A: 3:31
